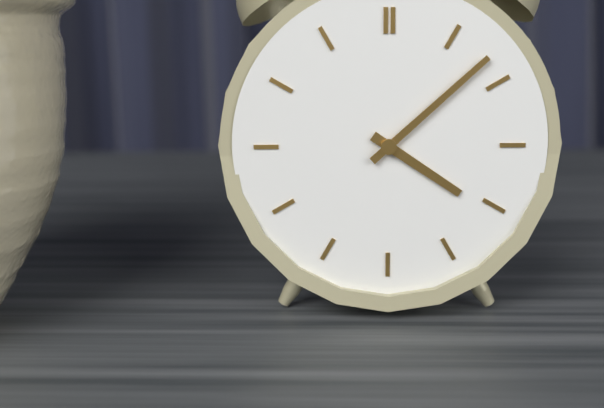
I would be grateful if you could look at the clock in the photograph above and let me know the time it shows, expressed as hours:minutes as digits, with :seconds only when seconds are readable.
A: 4:08
